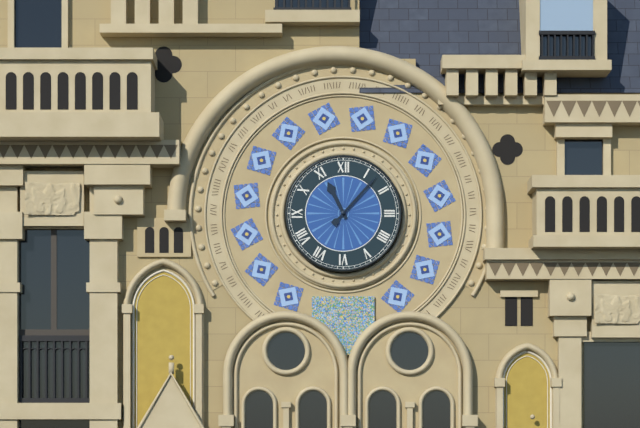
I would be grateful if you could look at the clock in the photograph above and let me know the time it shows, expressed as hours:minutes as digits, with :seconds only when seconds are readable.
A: 11:07
